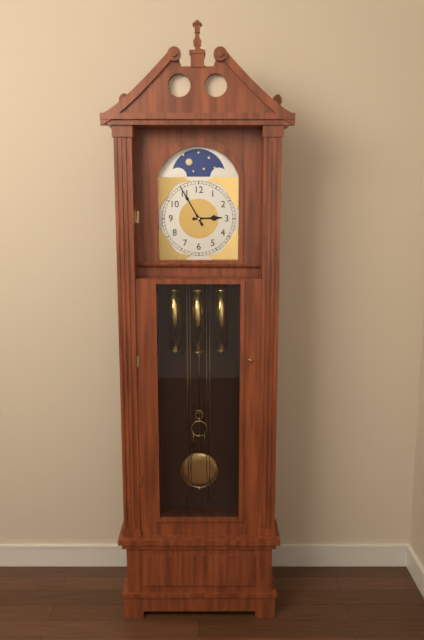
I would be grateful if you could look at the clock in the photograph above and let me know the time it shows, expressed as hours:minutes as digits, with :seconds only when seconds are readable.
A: 2:55
